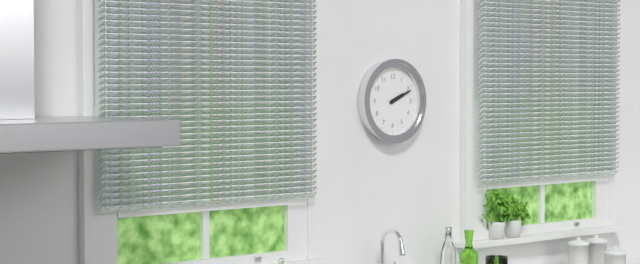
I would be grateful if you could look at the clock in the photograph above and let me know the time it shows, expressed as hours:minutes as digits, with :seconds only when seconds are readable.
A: 2:11
